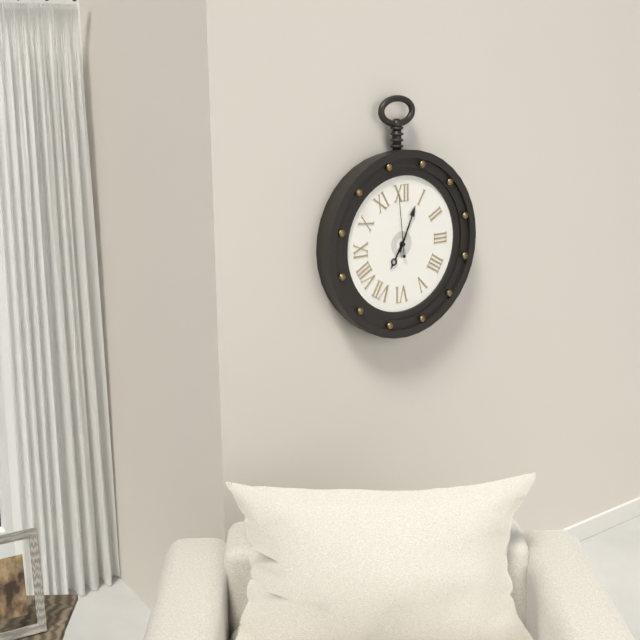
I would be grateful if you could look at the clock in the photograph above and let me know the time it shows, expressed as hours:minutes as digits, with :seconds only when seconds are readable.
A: 7:04:59
